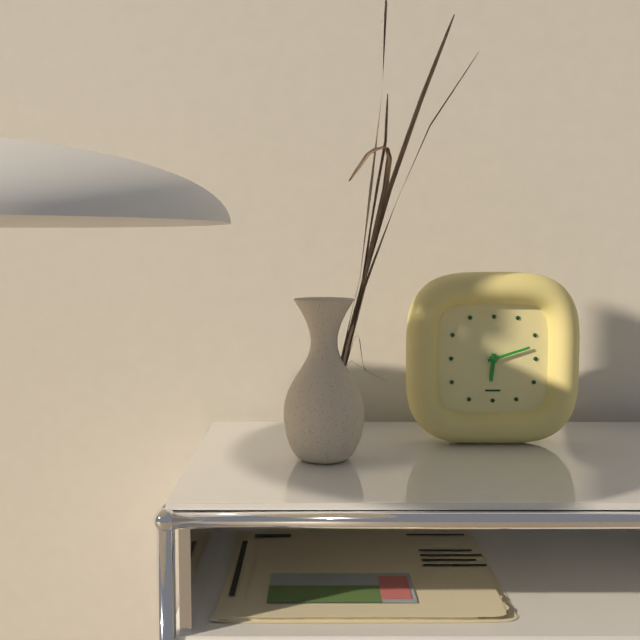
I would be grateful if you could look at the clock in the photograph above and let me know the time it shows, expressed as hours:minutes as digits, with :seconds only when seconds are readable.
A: 6:12
